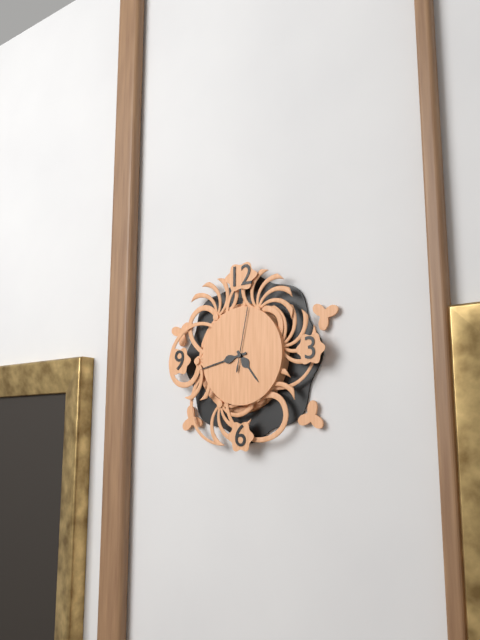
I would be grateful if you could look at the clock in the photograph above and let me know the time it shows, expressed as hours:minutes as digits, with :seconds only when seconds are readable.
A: 4:43:02
